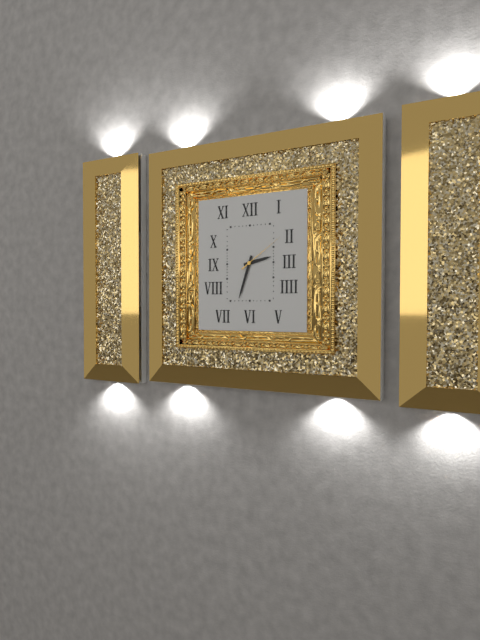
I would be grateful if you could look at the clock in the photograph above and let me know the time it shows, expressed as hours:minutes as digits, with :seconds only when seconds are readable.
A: 2:33:09
